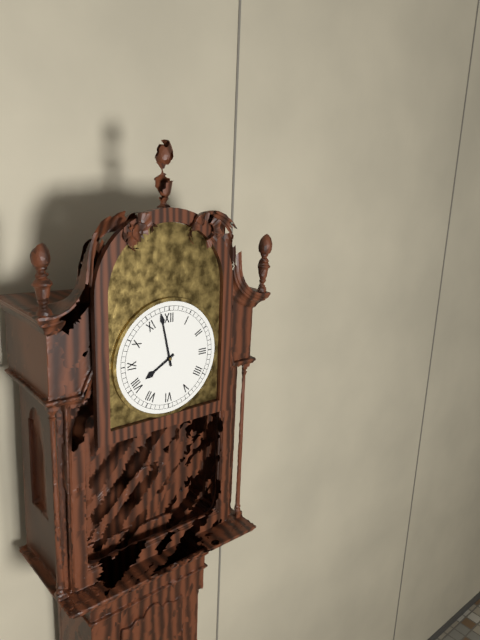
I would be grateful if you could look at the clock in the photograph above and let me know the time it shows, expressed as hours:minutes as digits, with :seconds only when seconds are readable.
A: 7:58
